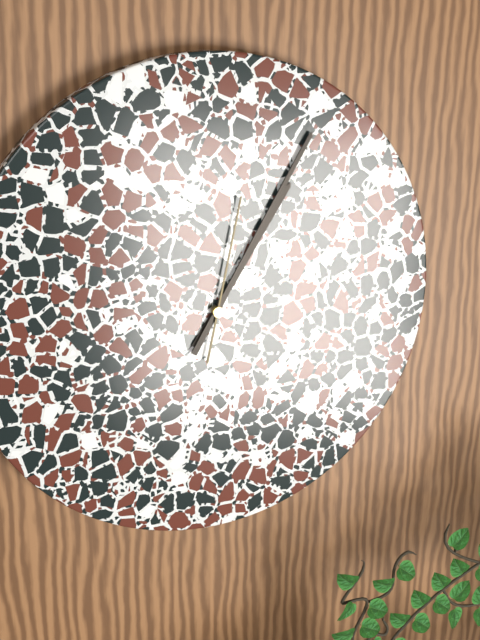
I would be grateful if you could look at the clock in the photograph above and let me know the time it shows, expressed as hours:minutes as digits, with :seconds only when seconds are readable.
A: 1:05:02
